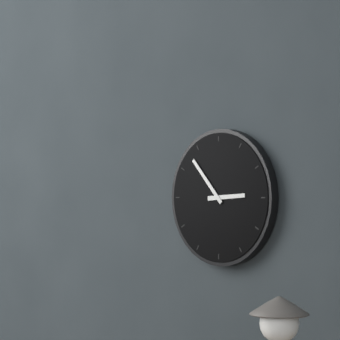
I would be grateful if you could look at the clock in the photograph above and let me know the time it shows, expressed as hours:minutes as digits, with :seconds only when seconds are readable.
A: 2:53
